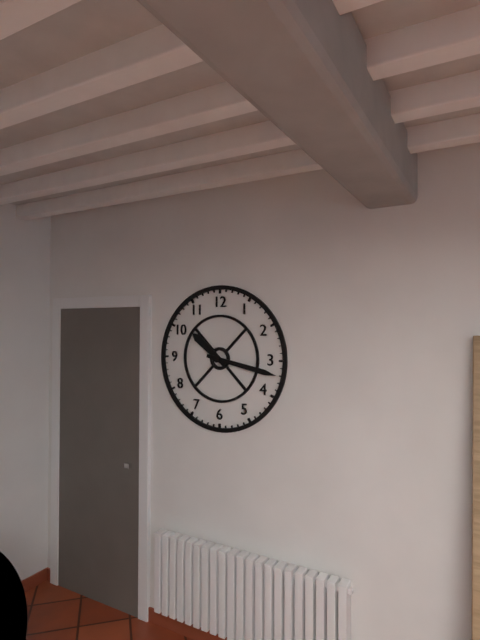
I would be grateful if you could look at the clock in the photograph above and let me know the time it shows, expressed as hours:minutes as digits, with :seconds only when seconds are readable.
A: 10:17
